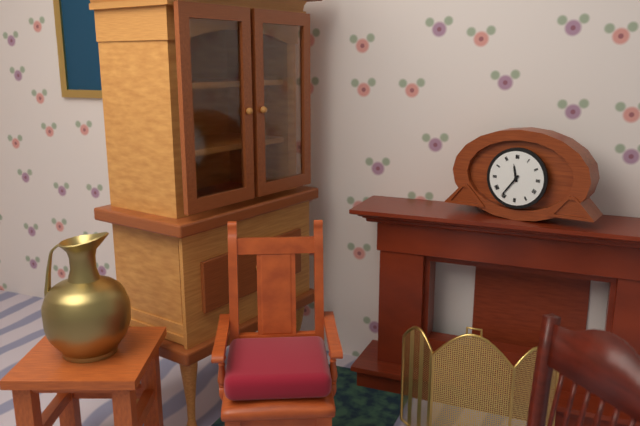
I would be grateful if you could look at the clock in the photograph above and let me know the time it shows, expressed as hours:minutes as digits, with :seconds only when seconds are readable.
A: 11:36
